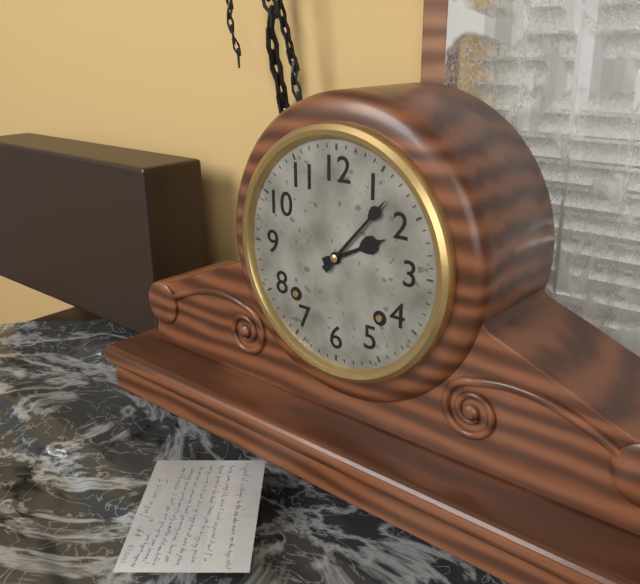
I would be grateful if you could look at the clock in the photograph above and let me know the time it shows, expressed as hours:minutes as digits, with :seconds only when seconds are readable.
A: 2:07
